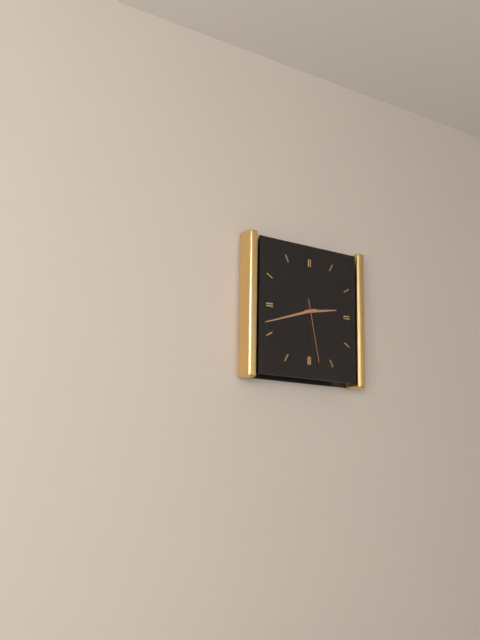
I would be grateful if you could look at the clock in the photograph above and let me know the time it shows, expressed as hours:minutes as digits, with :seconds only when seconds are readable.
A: 2:42:28
